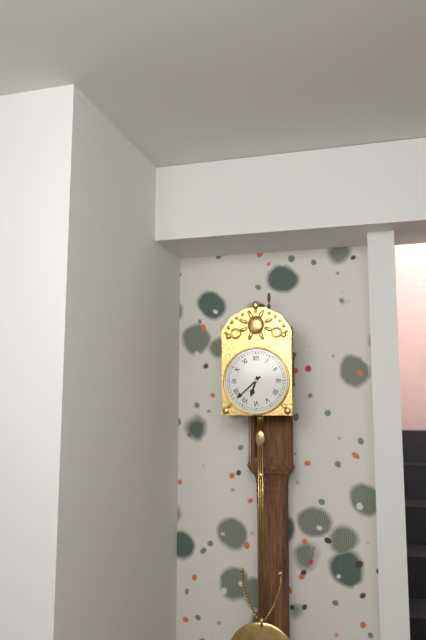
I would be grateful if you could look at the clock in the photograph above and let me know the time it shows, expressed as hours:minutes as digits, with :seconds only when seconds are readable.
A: 6:38
